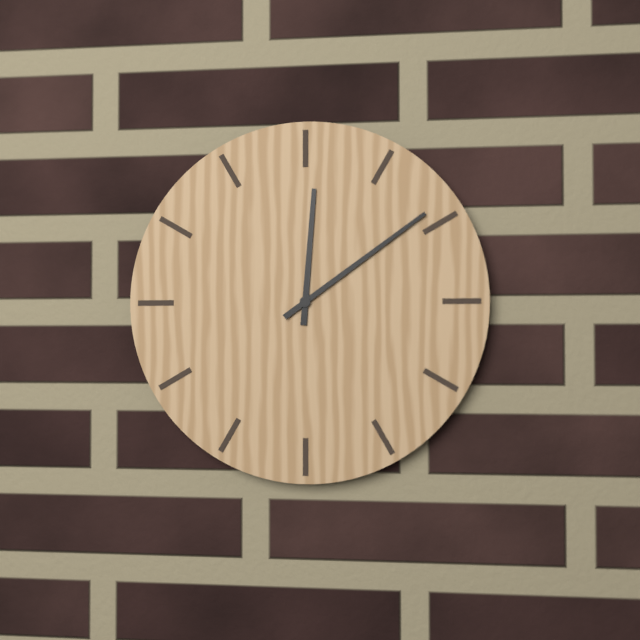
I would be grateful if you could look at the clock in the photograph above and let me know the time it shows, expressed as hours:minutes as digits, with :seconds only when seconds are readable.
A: 12:09
